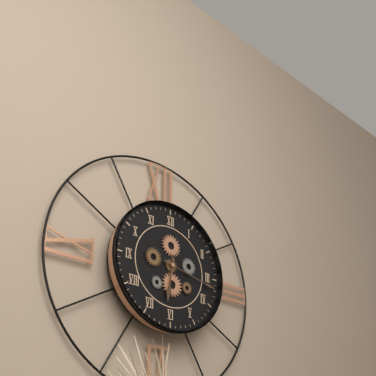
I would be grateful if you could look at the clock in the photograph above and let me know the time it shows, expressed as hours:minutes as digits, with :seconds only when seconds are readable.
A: 6:17
